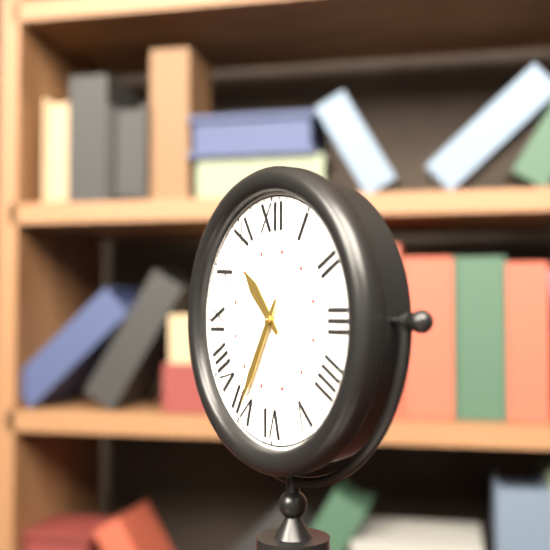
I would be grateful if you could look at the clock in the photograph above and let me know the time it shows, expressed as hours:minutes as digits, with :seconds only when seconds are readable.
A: 10:35
